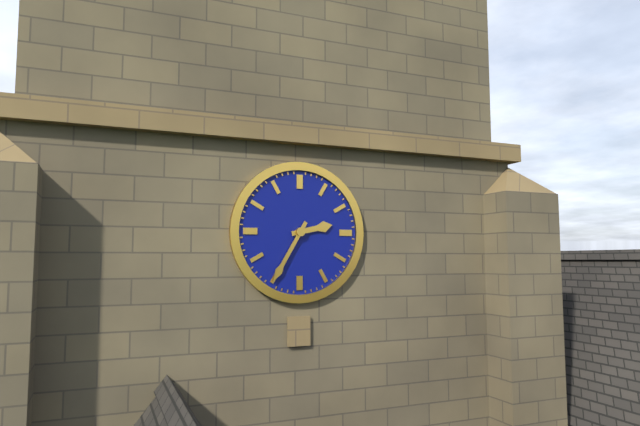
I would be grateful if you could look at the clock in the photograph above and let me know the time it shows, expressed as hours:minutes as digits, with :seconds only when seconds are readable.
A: 2:35
